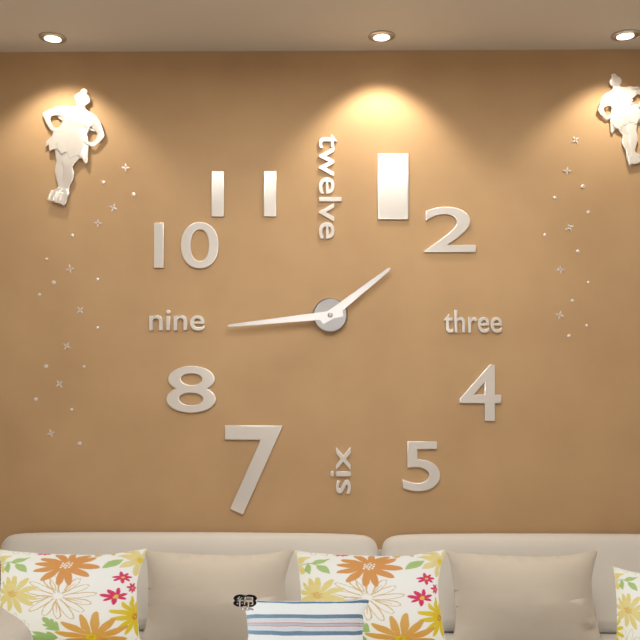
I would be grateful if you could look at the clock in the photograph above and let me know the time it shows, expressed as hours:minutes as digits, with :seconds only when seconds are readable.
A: 1:44
